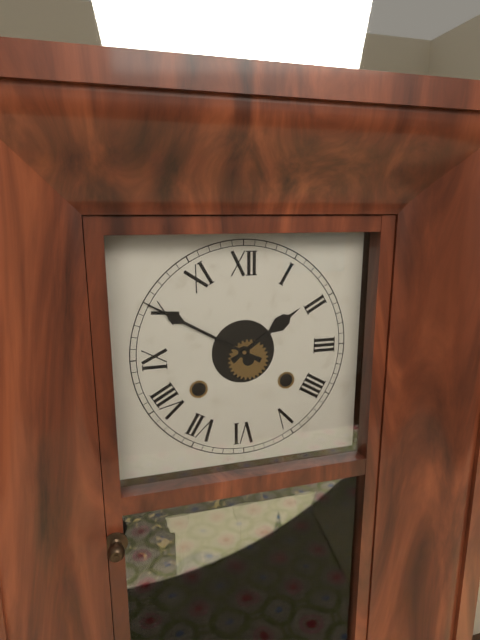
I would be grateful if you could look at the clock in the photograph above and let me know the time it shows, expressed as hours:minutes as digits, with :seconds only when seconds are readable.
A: 1:50
